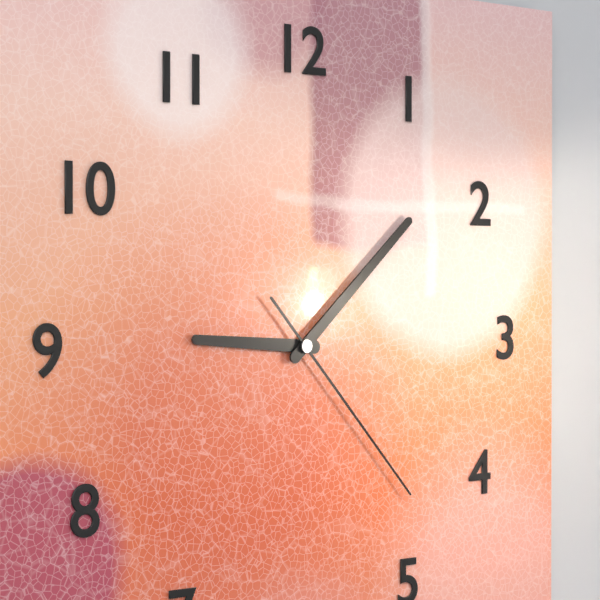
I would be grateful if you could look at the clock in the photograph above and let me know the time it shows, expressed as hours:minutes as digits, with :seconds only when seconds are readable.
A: 9:08:23
